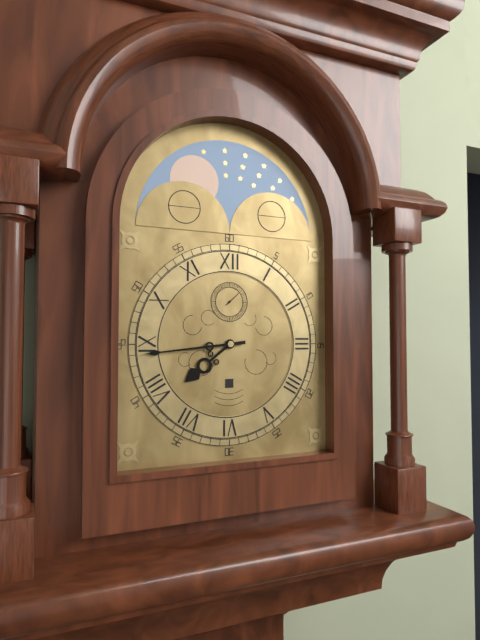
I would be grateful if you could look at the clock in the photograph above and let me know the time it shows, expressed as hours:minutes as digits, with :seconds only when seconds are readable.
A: 7:44
